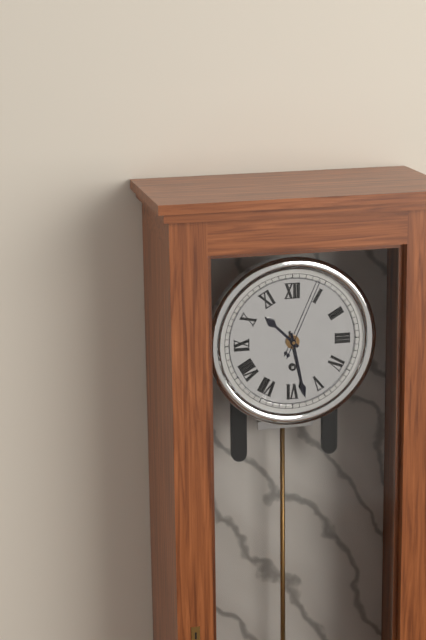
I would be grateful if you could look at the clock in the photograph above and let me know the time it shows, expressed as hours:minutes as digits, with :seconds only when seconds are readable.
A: 10:28:04
